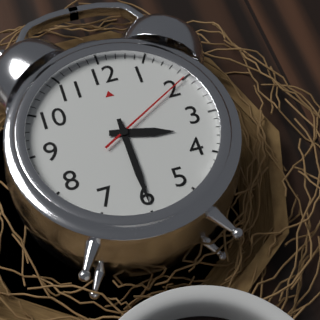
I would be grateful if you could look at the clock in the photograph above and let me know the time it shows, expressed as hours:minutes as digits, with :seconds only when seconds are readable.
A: 3:30:10
